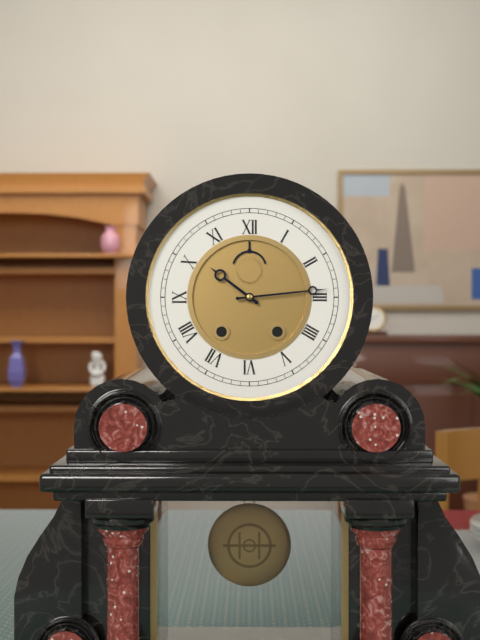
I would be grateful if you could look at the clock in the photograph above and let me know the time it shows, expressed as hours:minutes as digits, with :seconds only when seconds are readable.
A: 10:14
